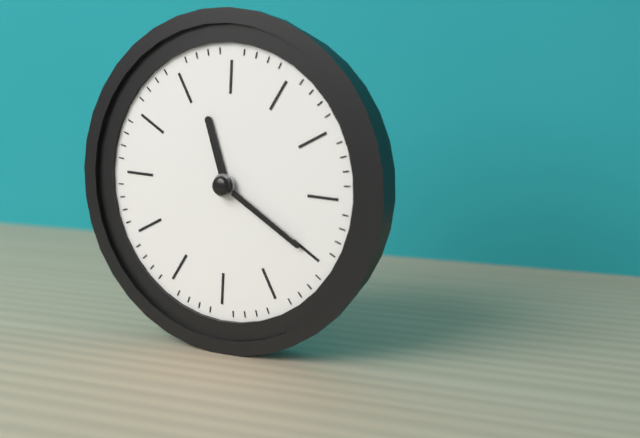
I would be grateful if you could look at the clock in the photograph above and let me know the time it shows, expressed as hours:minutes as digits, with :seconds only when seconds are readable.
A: 11:20
